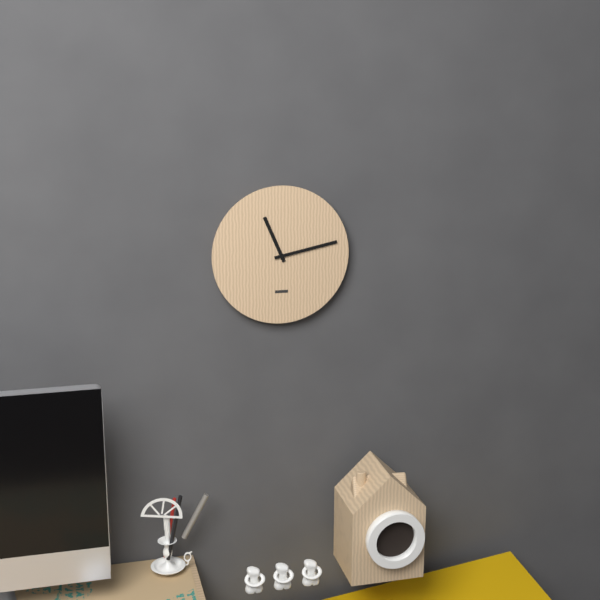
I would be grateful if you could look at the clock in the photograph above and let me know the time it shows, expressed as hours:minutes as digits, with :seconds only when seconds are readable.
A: 11:13
